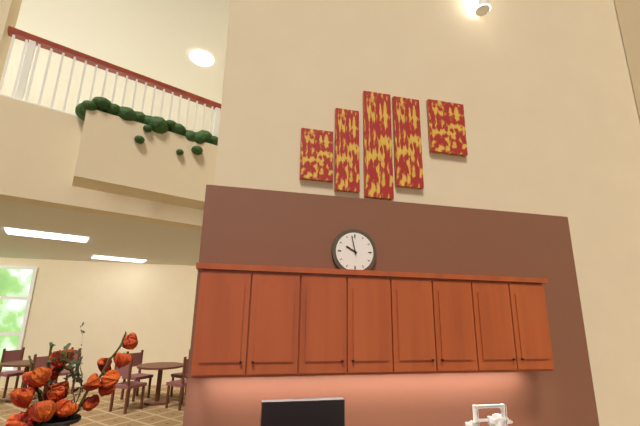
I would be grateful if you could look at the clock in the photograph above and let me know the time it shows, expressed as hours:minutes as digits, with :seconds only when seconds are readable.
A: 9:58
